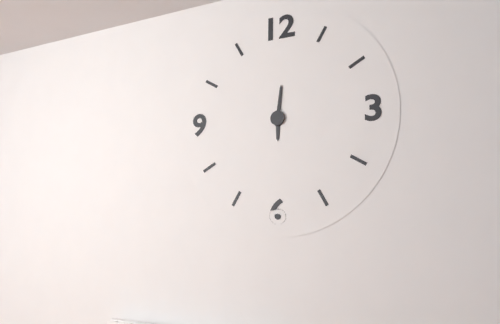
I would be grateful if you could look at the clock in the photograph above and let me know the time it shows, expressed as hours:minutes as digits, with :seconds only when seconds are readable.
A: 6:01
